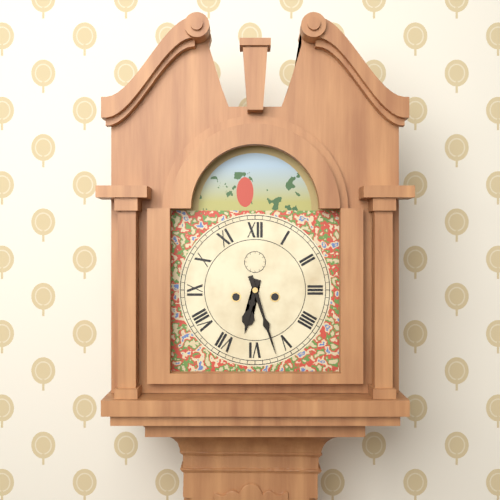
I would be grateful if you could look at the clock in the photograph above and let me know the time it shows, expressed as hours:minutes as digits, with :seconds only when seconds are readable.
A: 6:27
